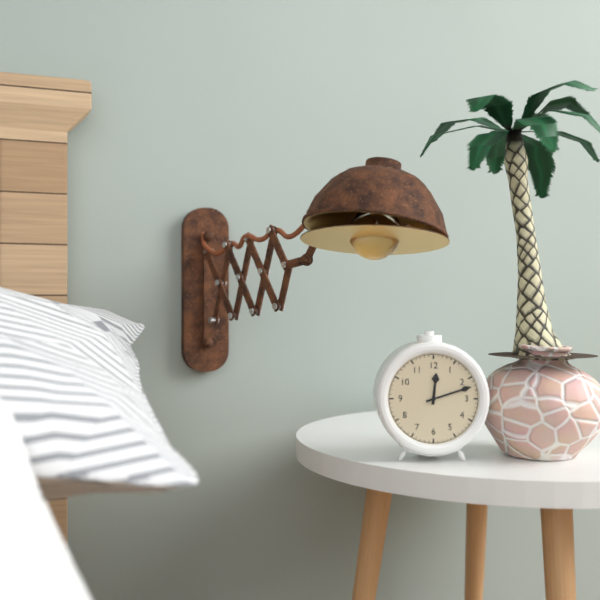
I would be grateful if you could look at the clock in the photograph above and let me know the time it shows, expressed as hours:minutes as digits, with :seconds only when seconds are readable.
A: 12:12
